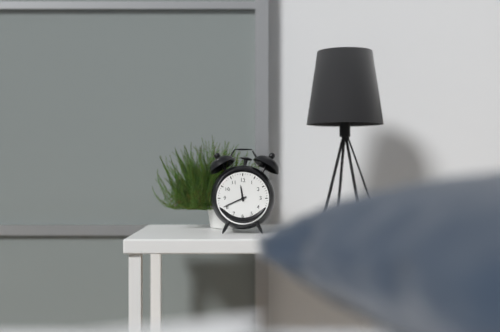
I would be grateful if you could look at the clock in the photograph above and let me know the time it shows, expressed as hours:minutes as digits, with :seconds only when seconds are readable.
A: 11:41
